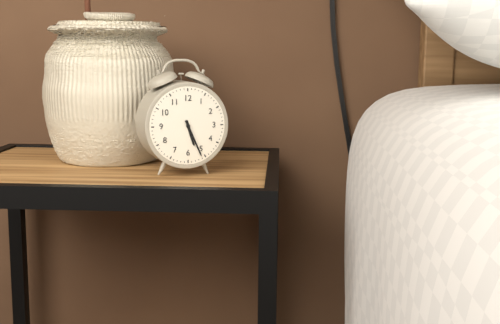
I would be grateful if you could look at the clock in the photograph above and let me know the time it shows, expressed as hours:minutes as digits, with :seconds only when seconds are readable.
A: 5:26
